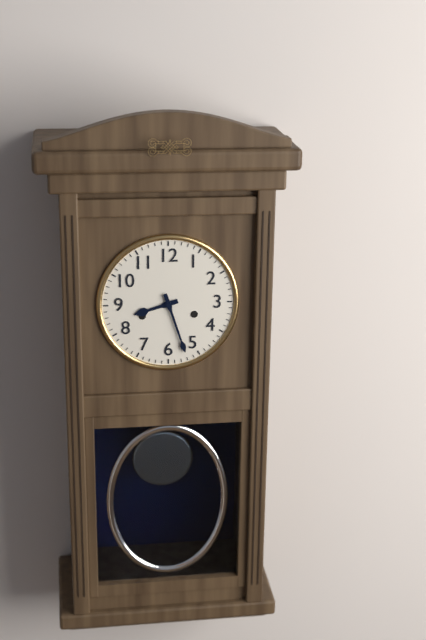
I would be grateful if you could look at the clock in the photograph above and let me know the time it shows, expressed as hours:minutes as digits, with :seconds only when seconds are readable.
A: 8:27
